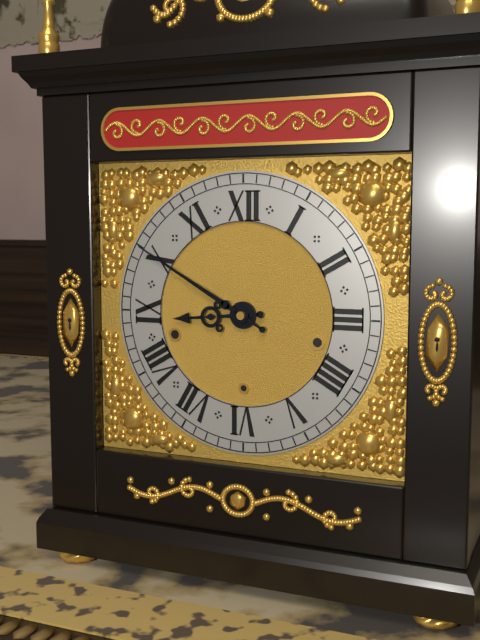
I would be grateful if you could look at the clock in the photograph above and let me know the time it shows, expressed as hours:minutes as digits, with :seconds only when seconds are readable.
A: 8:50
